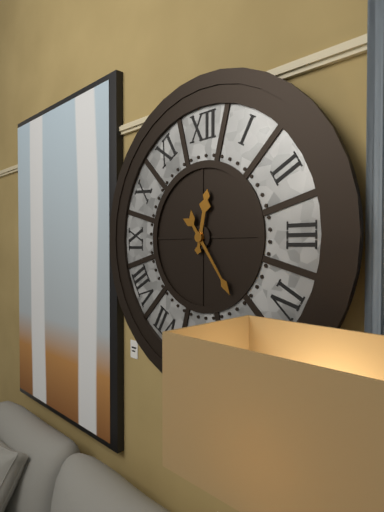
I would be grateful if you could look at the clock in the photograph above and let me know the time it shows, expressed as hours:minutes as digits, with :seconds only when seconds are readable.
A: 12:24
